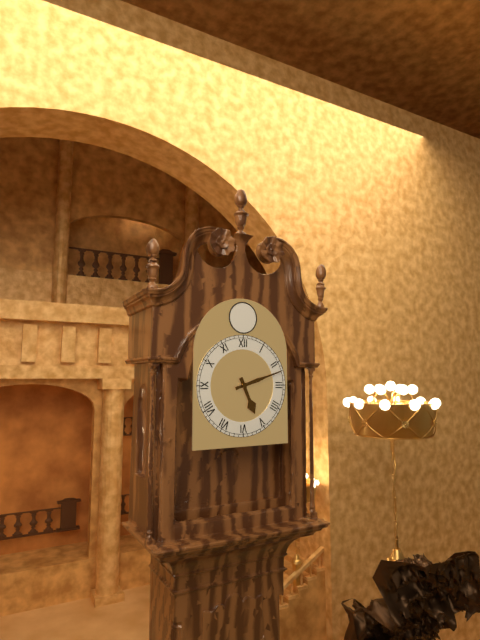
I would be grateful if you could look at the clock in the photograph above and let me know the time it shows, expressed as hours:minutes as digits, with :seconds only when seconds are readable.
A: 5:12
